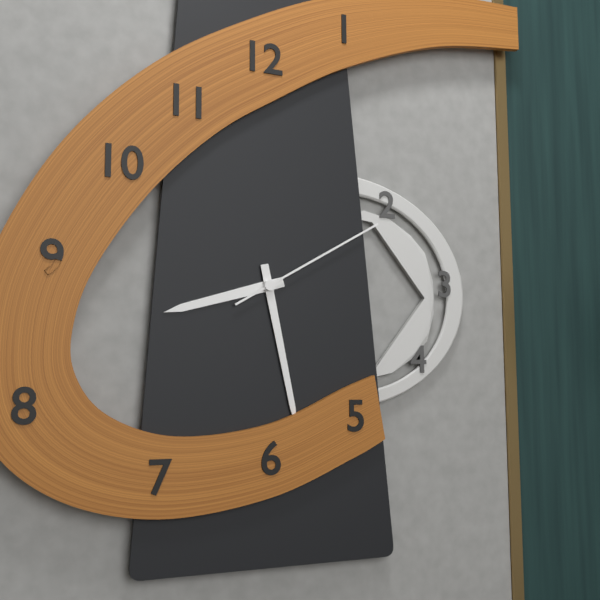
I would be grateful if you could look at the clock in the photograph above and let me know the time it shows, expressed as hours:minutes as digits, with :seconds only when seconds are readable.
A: 8:28:10
